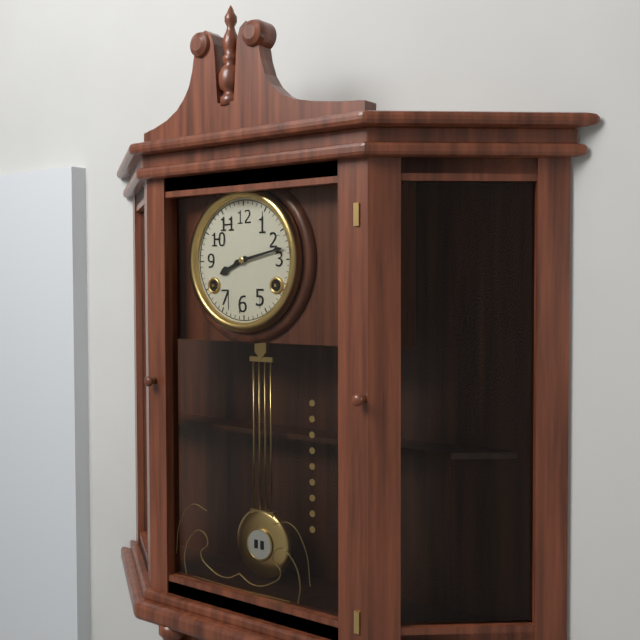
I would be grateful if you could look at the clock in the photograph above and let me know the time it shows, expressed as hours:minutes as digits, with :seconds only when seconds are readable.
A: 8:13
